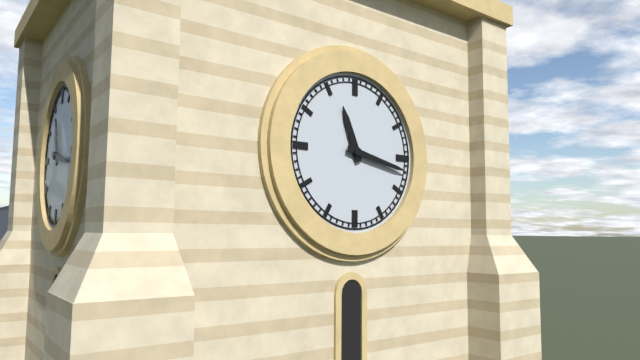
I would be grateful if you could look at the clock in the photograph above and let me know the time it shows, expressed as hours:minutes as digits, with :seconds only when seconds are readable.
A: 11:17
